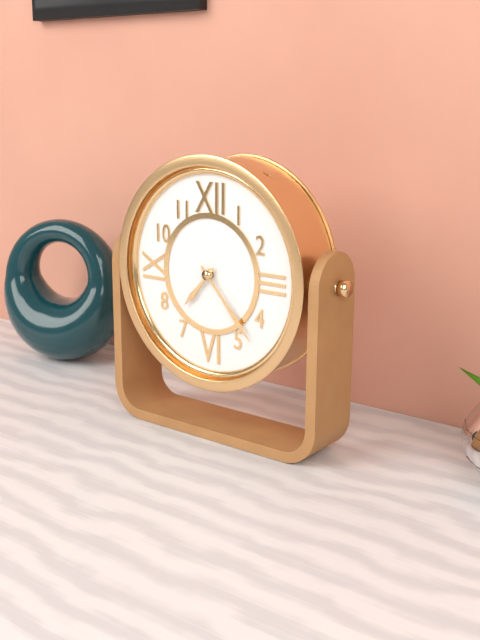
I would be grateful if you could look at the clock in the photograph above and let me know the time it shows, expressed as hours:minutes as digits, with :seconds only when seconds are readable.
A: 7:23
